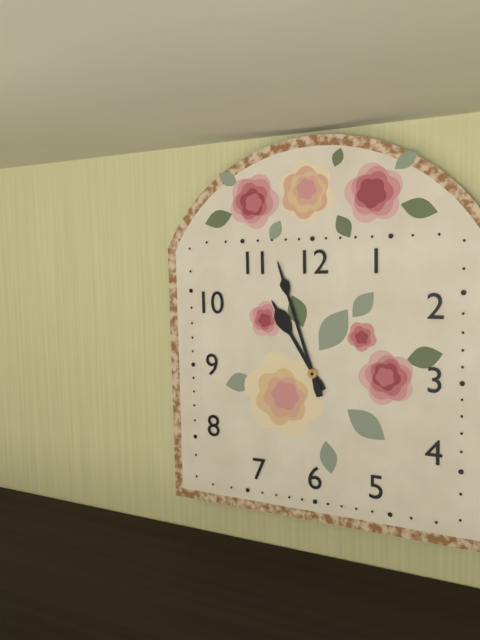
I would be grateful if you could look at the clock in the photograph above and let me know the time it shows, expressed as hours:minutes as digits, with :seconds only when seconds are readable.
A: 10:57
